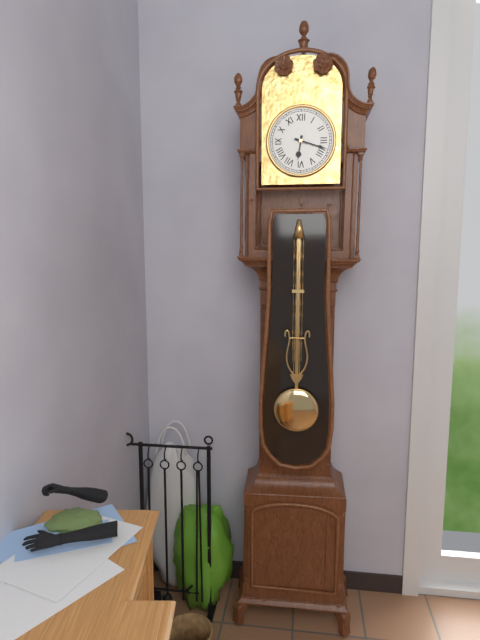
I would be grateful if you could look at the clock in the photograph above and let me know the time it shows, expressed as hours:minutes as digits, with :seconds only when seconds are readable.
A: 6:18
